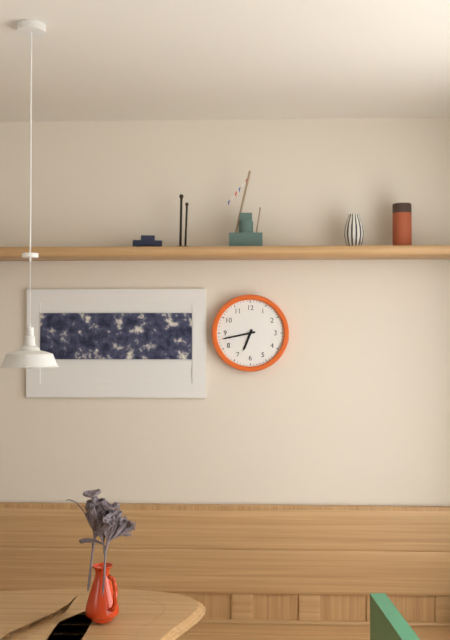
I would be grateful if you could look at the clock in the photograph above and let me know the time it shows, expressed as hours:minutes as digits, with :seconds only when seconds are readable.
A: 6:43
